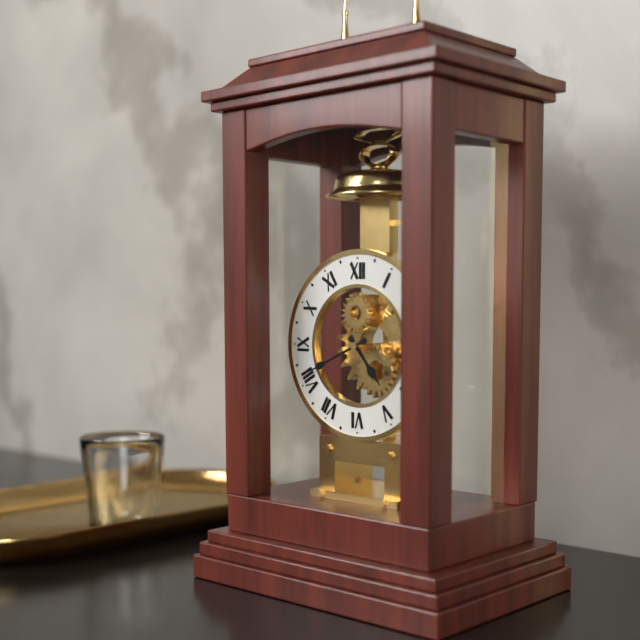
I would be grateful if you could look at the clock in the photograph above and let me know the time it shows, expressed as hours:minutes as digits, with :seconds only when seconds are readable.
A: 4:41
